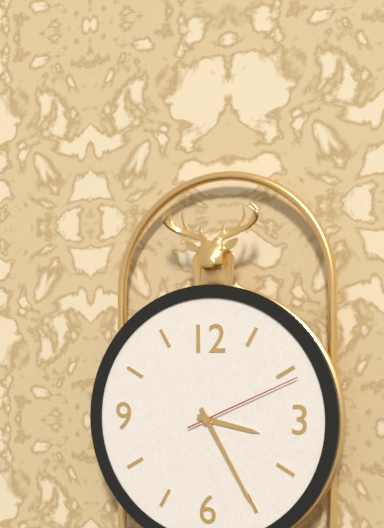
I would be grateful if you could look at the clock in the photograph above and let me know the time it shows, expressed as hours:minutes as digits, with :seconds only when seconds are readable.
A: 3:25:11
